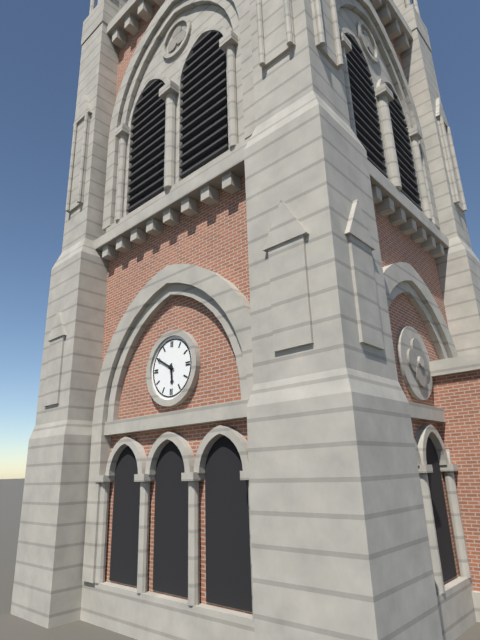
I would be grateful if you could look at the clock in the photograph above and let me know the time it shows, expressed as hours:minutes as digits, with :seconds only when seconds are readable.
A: 5:50
